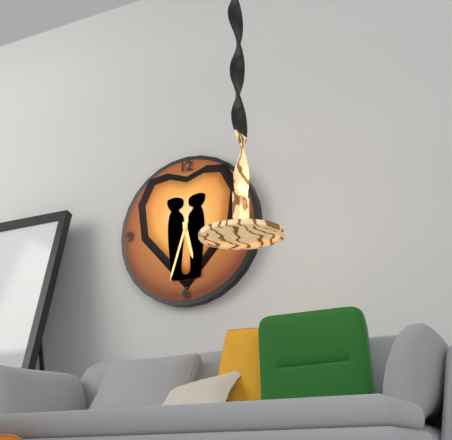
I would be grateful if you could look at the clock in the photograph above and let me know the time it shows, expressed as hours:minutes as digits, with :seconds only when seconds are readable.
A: 5:33
